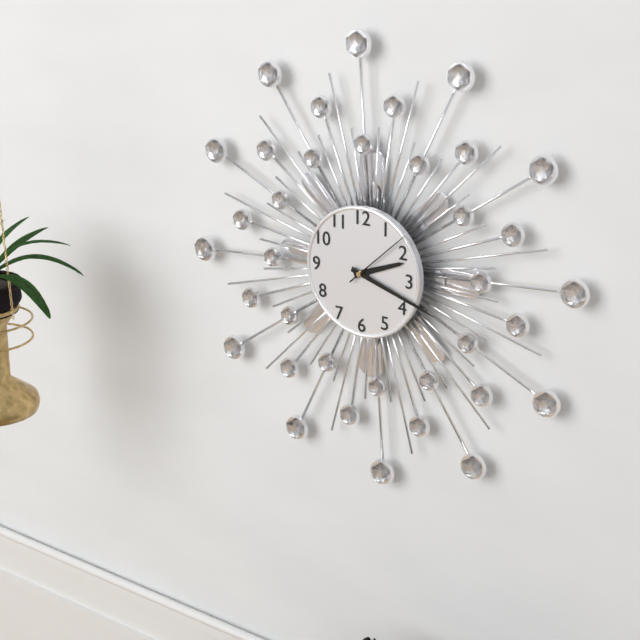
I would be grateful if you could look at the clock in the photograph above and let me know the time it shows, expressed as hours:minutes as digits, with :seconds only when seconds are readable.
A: 2:18:08
